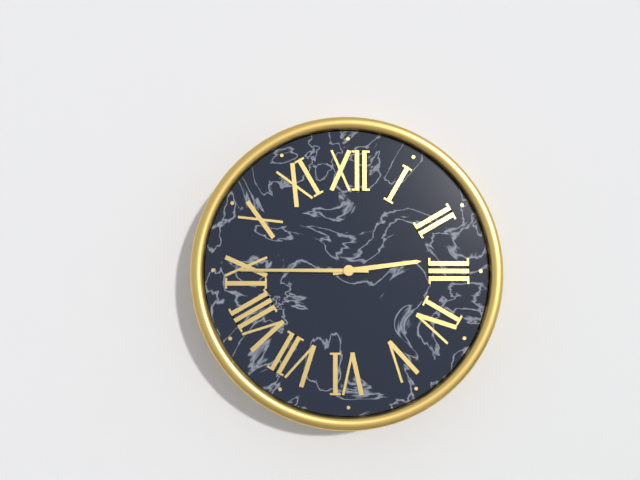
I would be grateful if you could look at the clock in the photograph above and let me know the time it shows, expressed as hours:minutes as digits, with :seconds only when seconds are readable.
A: 2:45
